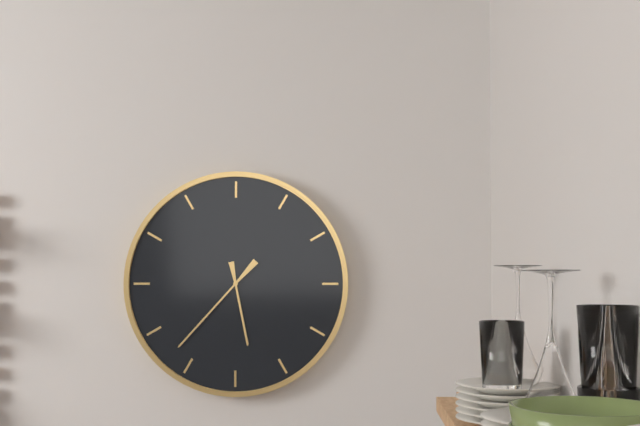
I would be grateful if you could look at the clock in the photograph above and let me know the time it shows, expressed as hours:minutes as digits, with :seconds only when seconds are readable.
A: 5:37
